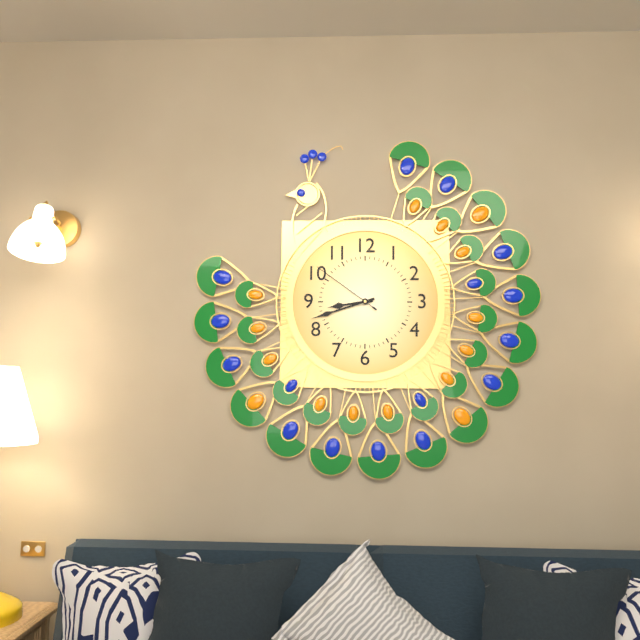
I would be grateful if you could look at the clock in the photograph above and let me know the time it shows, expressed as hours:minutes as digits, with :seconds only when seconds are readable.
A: 8:42:51
